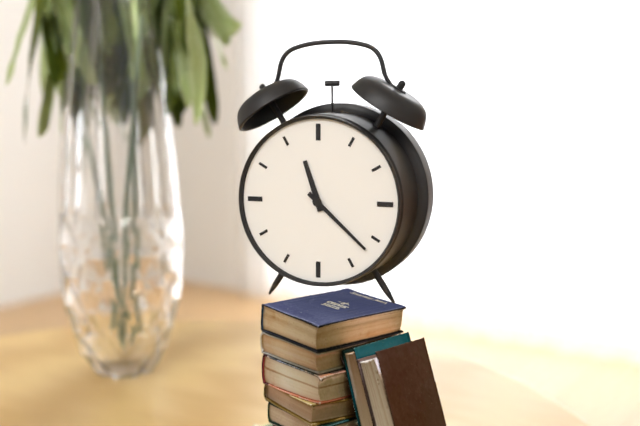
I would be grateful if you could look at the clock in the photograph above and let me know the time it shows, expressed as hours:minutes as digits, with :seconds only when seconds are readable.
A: 11:22
